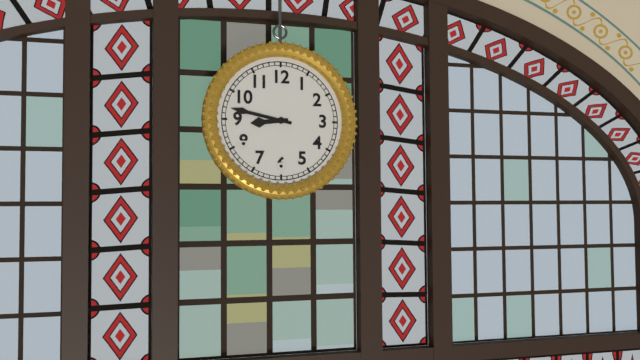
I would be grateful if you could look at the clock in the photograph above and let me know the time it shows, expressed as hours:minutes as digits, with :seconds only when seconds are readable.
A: 8:47
